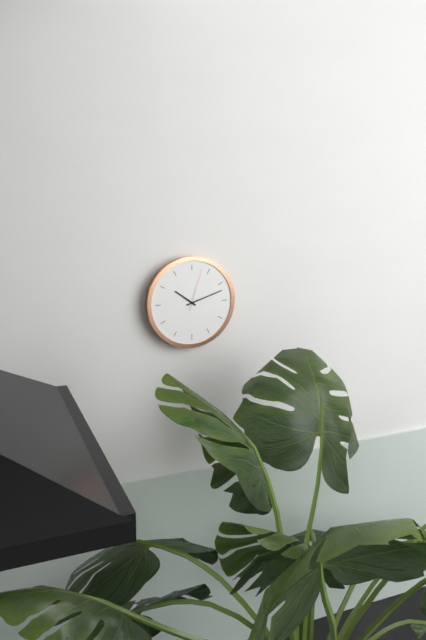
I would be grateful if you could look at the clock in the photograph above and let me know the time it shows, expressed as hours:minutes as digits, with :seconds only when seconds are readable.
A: 10:12
